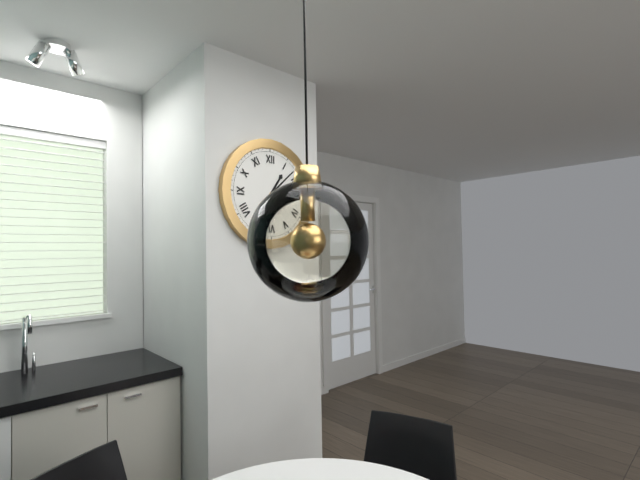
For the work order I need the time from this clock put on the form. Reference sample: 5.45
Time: 1.08
